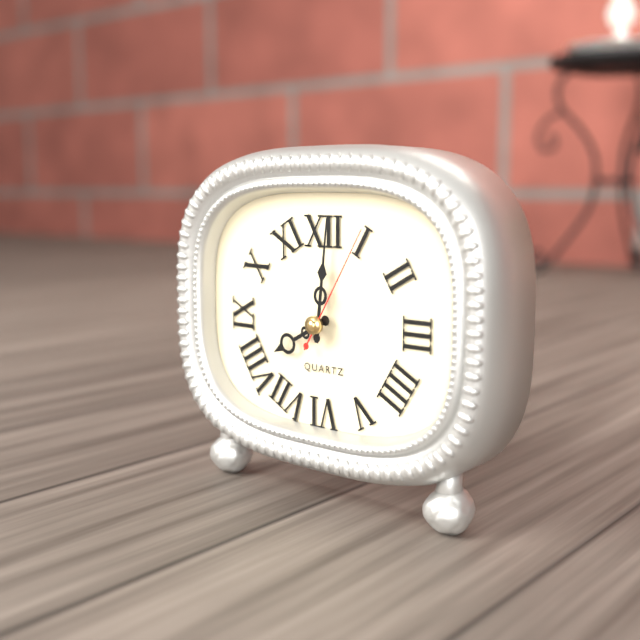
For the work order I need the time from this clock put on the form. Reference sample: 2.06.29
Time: 8.01.05
